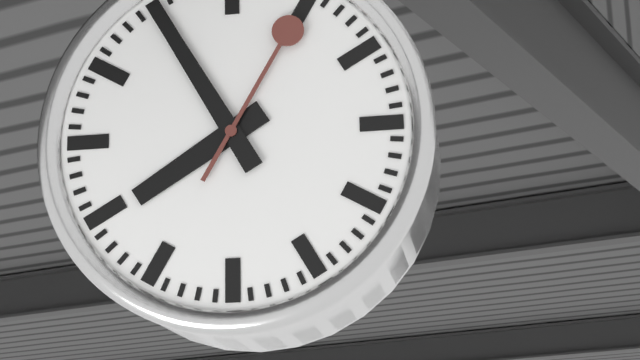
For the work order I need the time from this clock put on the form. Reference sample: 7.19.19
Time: 7.55.05
